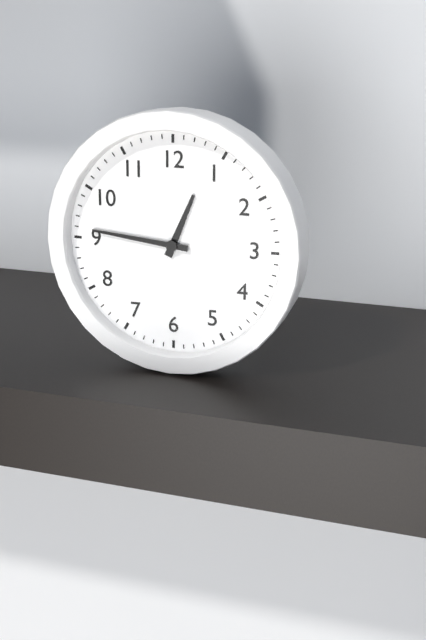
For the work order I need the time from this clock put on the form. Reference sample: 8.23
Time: 12.46
